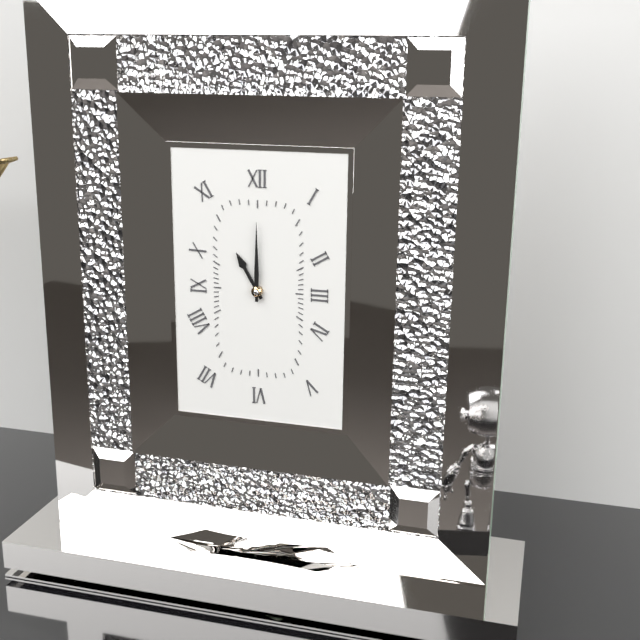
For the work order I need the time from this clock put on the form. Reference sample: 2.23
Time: 11.00
